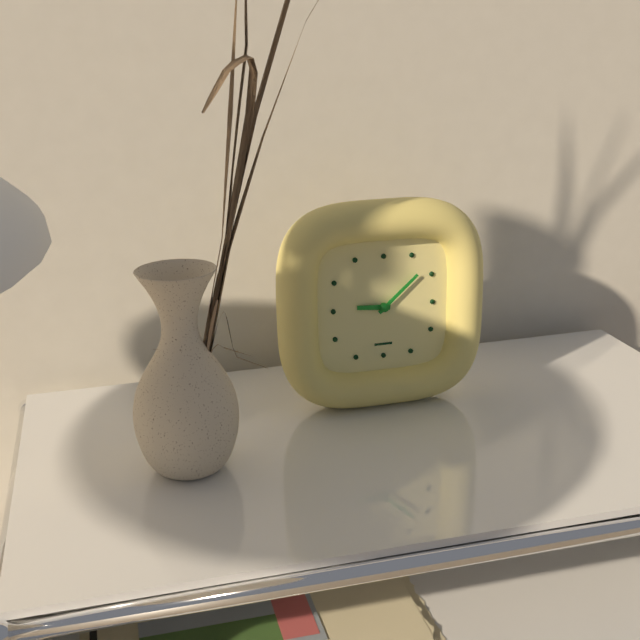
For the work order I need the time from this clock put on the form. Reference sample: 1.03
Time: 9.08
